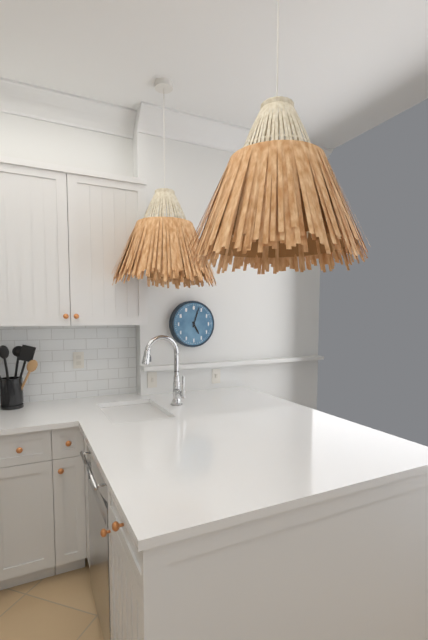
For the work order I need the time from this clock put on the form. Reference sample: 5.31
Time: 5.03
